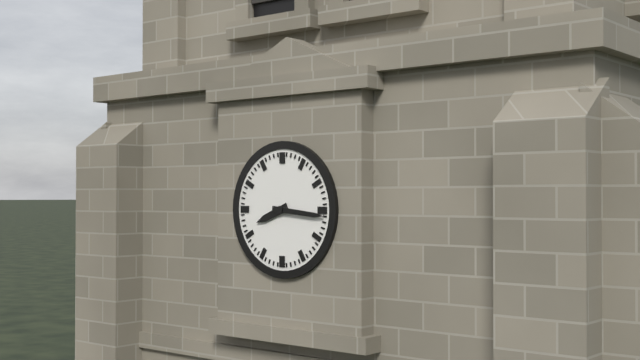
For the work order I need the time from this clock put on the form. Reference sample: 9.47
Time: 8.16
